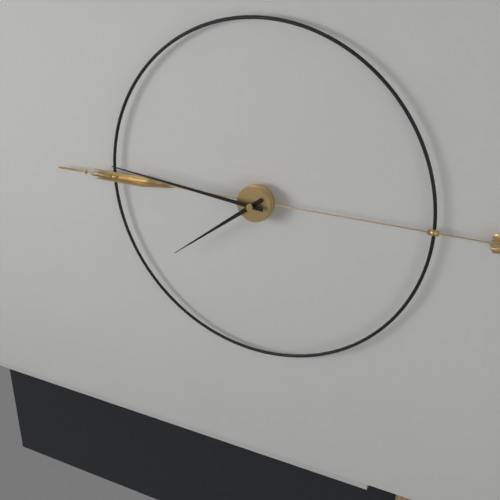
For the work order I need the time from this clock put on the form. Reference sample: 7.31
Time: 7.46
